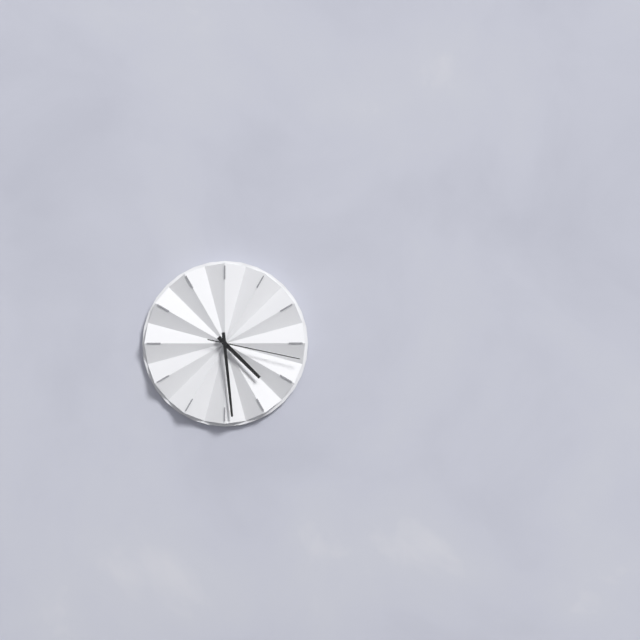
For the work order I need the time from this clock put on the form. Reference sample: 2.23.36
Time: 4.29.17
